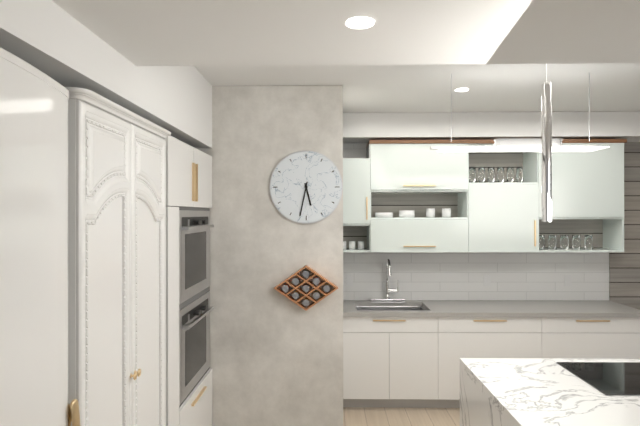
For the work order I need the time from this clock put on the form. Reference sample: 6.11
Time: 5.32
